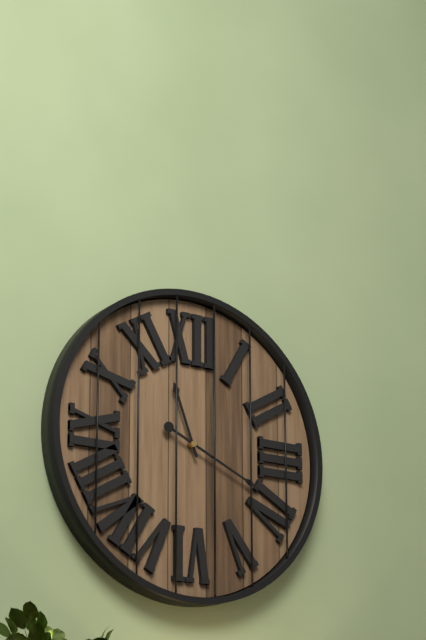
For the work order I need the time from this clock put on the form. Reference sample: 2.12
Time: 11.19
